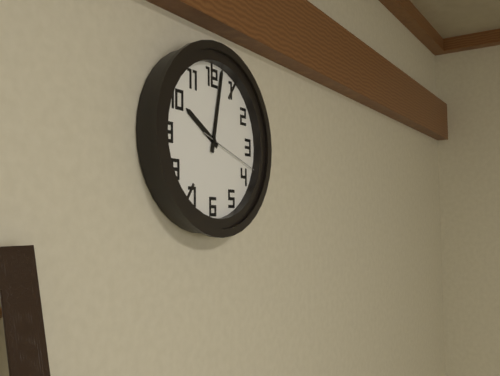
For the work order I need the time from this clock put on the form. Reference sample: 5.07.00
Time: 10.02.18
